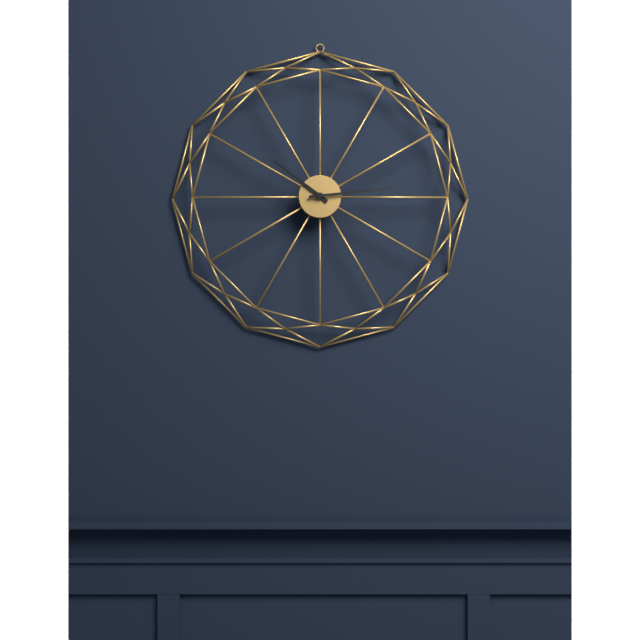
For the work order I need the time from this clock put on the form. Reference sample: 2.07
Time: 10.14
